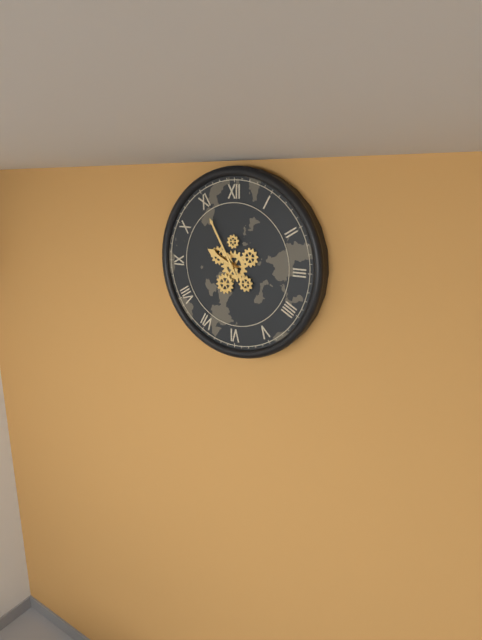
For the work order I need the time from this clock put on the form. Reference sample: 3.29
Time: 9.55
